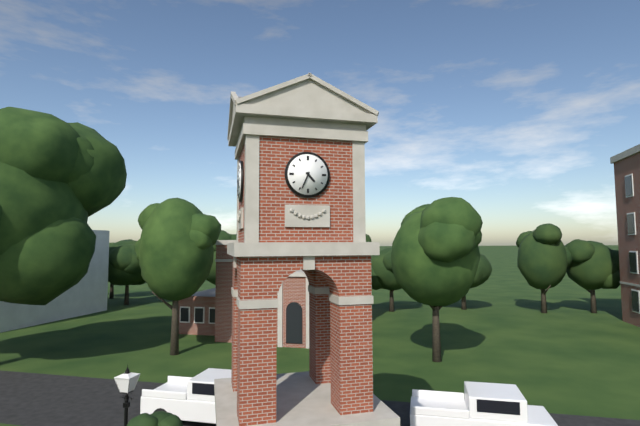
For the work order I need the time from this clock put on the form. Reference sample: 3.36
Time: 4.34
